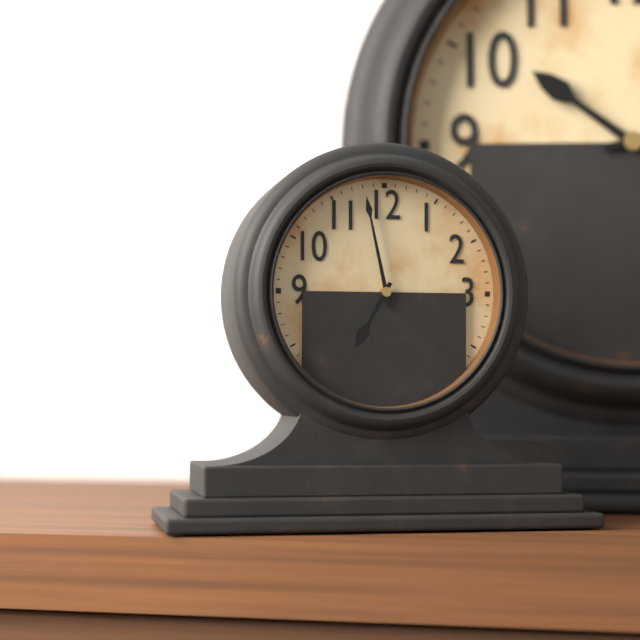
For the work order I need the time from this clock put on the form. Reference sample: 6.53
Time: 6.58
